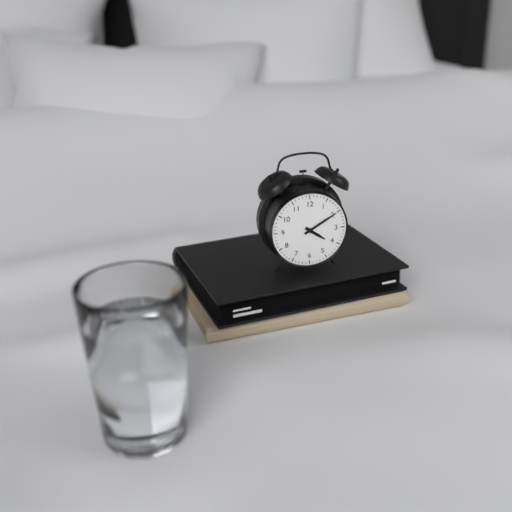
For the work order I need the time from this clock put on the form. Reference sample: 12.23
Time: 4.10
